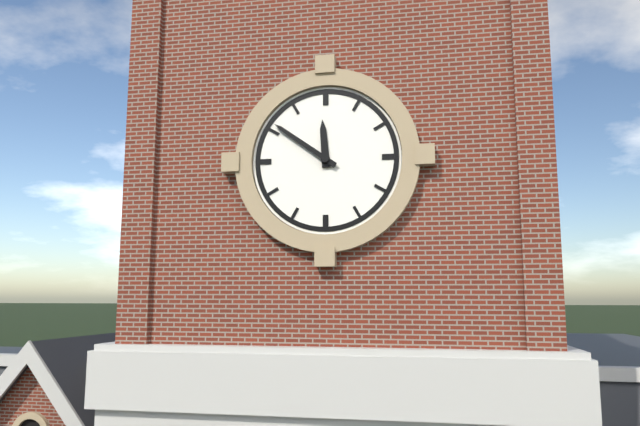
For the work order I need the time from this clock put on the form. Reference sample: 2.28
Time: 11.51
